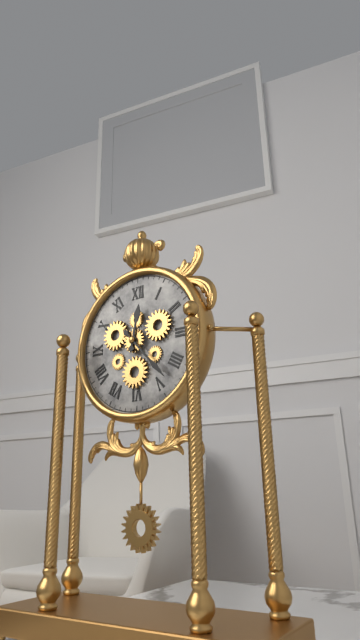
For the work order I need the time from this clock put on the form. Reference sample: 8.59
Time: 12.23
